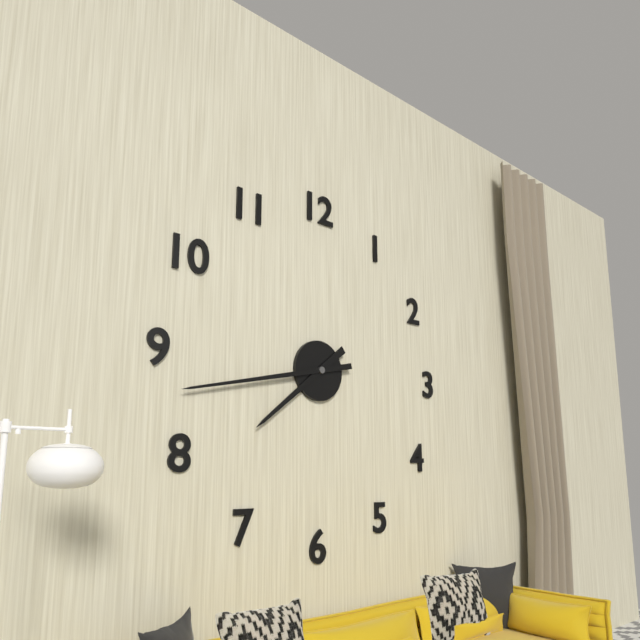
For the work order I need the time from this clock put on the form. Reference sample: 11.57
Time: 7.43
